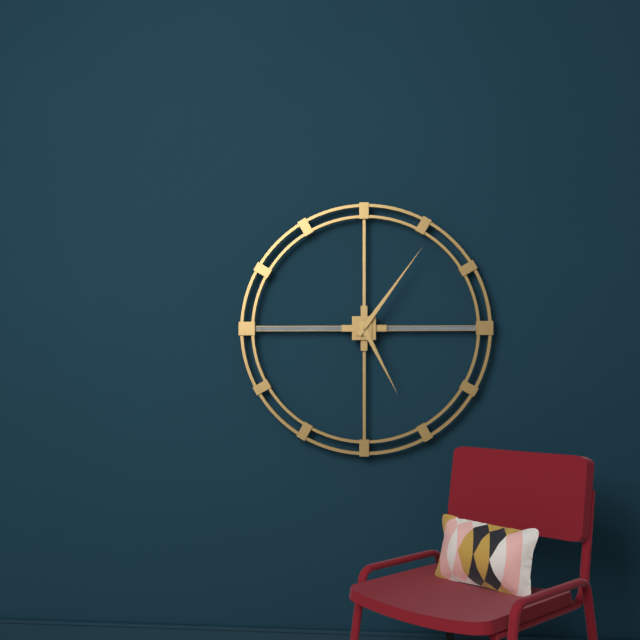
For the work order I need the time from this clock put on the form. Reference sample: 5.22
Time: 5.06
